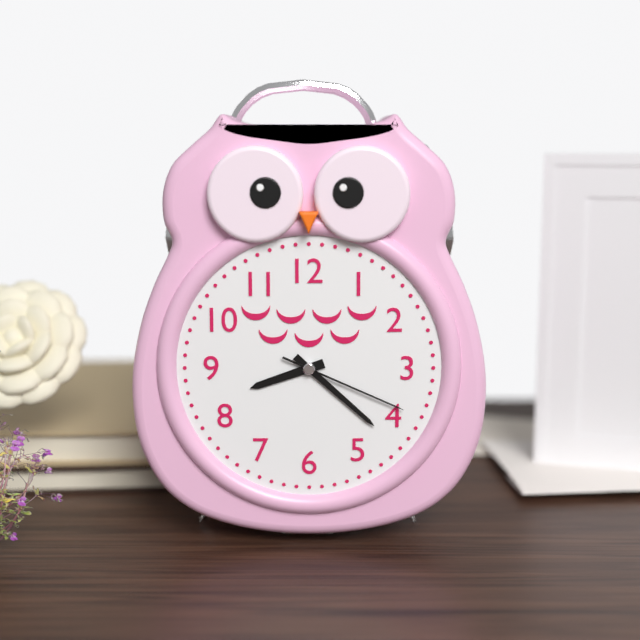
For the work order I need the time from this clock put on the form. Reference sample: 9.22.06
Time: 8.22.19
